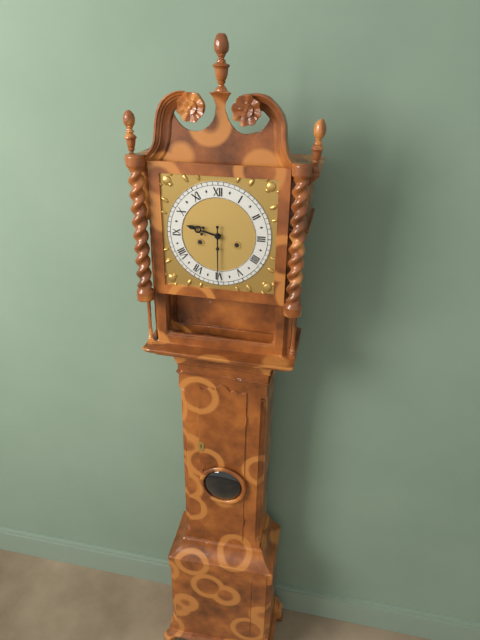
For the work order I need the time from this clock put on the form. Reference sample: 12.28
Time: 9.30
